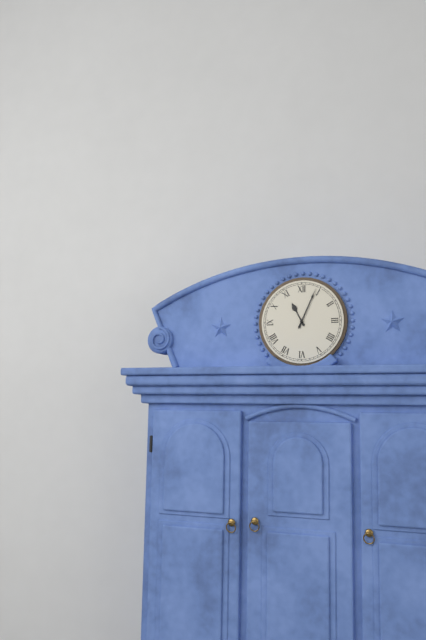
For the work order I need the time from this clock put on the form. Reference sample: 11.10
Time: 11.04
